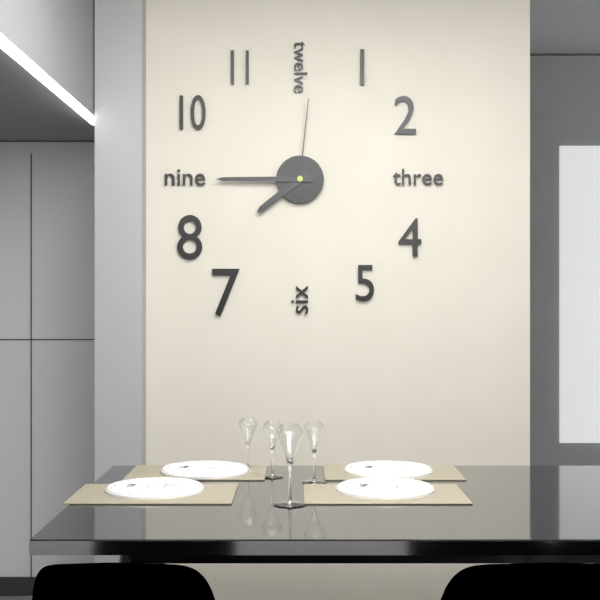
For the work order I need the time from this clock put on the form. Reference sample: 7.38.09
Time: 7.45.01
